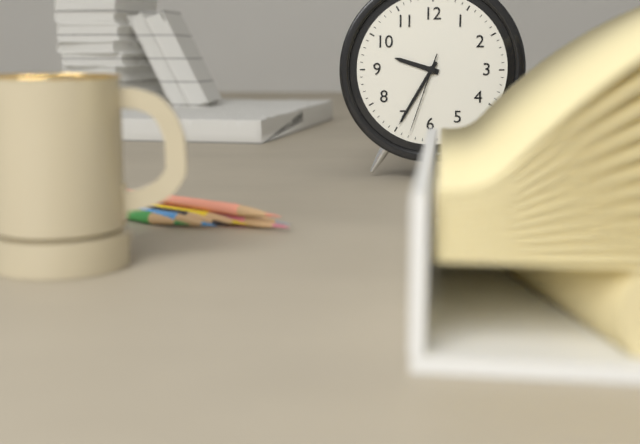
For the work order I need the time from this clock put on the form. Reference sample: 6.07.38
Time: 9.35.33
